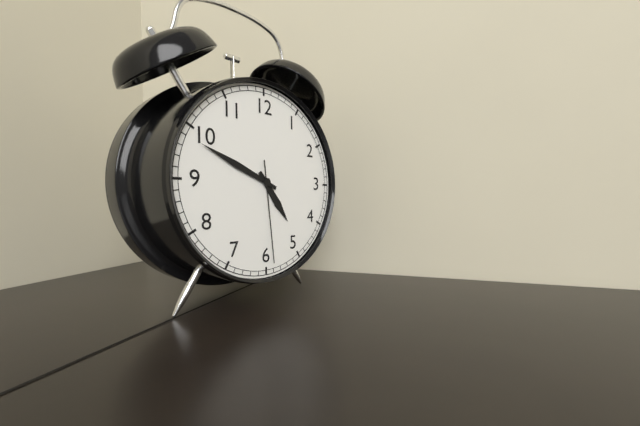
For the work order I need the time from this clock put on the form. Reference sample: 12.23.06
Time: 4.49.29
